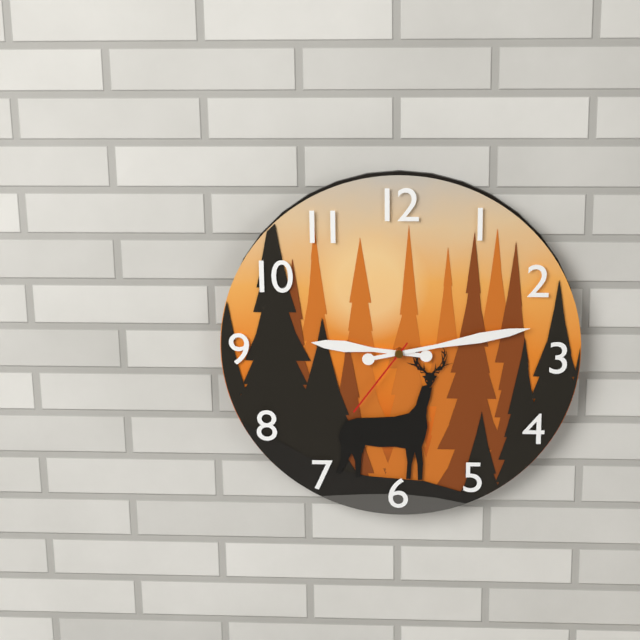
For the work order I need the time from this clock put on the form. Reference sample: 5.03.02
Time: 9.13.36
